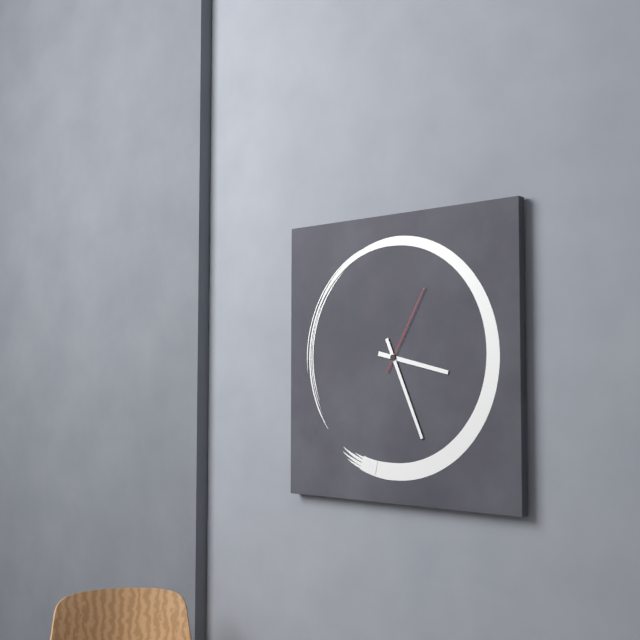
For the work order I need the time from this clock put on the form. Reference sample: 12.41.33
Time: 3.26.05
